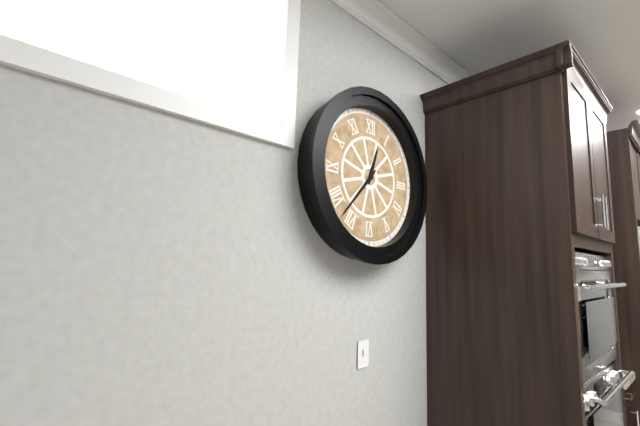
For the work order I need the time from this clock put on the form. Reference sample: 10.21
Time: 12.37
